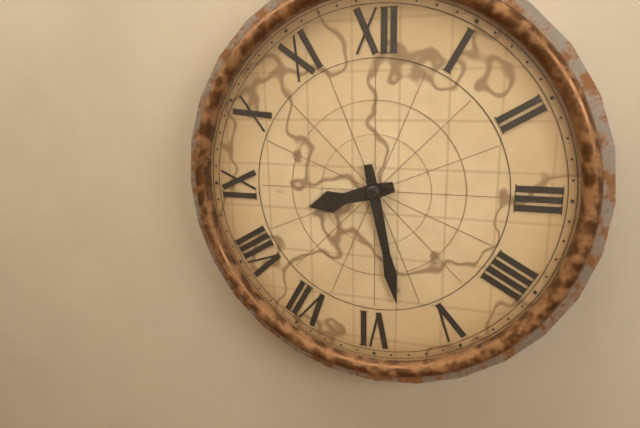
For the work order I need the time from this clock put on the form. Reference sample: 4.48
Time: 8.28
